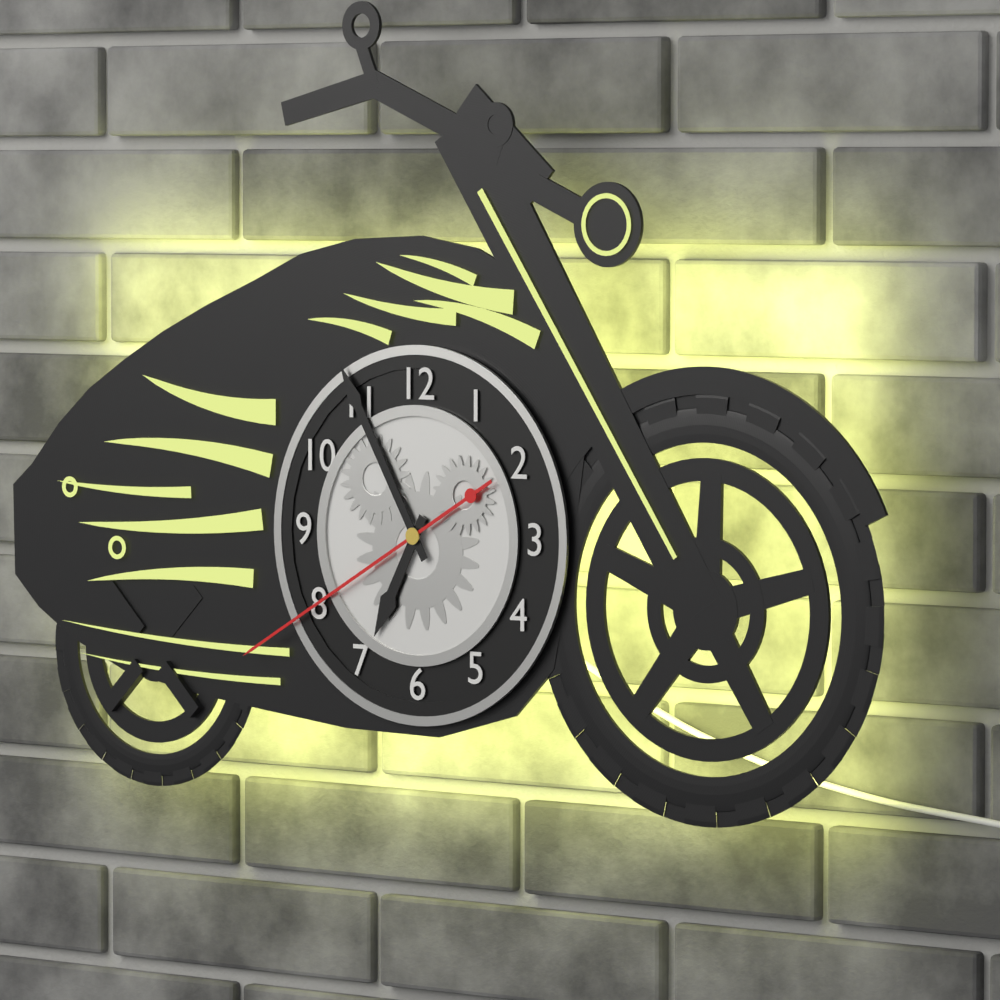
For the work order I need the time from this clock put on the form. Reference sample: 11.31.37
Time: 6.55.40
